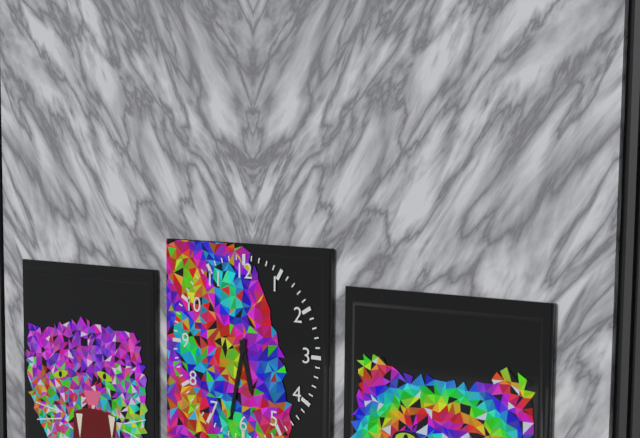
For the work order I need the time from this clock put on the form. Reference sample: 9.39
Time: 5.32
